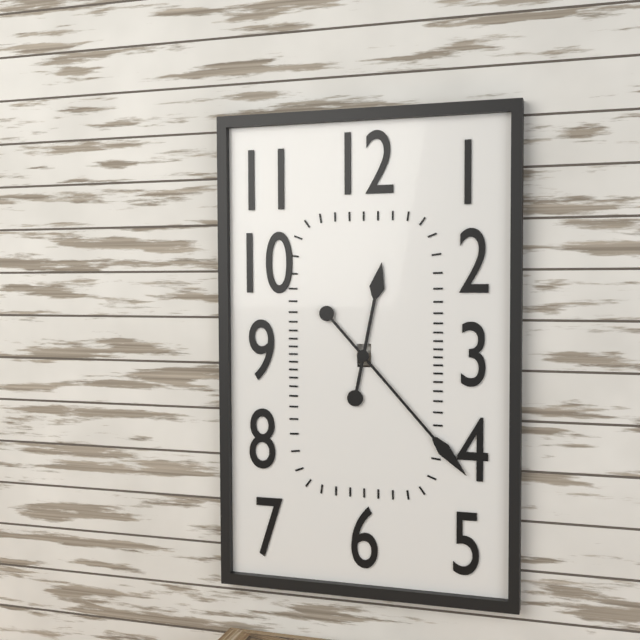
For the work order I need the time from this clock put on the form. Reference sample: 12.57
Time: 12.23
